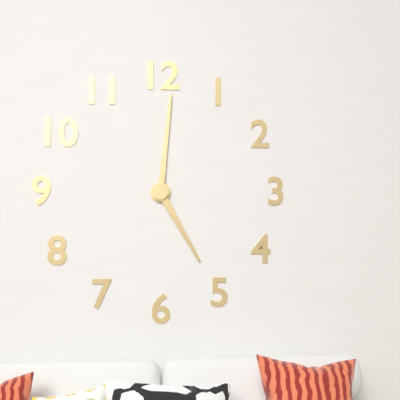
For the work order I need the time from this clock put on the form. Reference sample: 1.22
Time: 5.01
